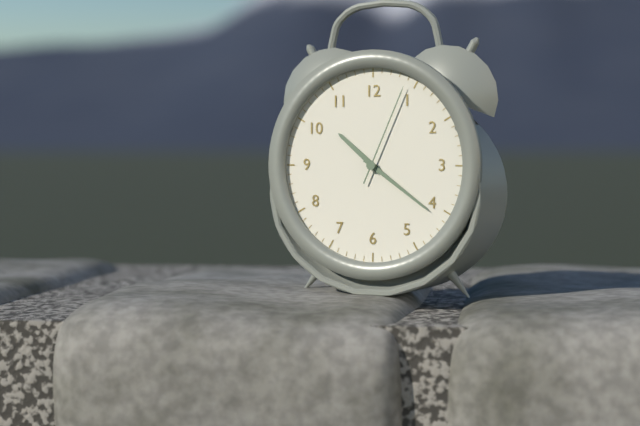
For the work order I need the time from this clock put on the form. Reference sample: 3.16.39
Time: 10.21.04
